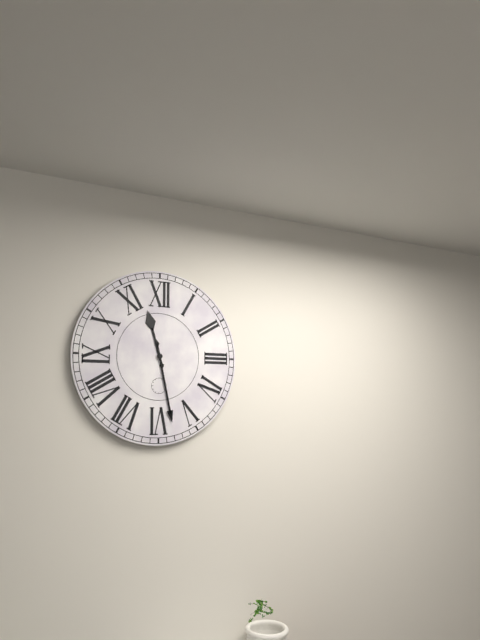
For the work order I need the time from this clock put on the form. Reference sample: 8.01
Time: 11.28
